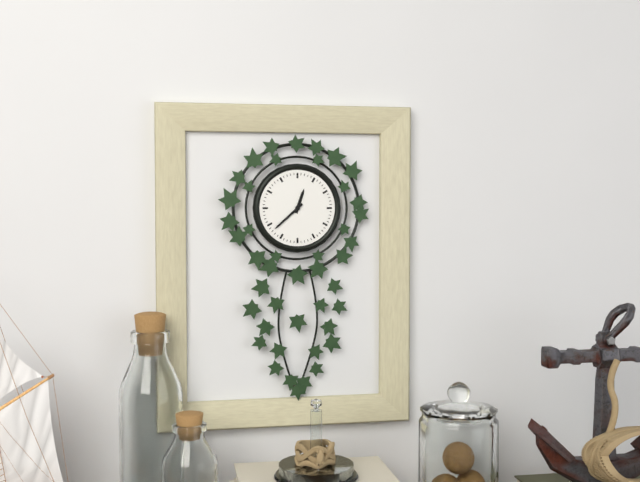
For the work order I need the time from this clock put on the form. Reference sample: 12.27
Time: 12.38
